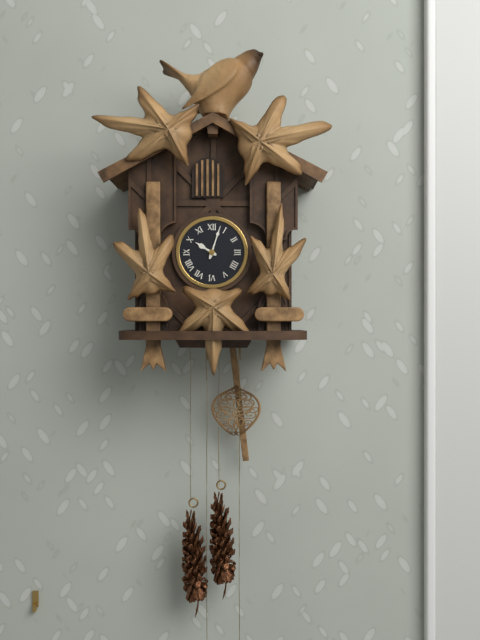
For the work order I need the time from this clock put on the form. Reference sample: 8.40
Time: 10.03
